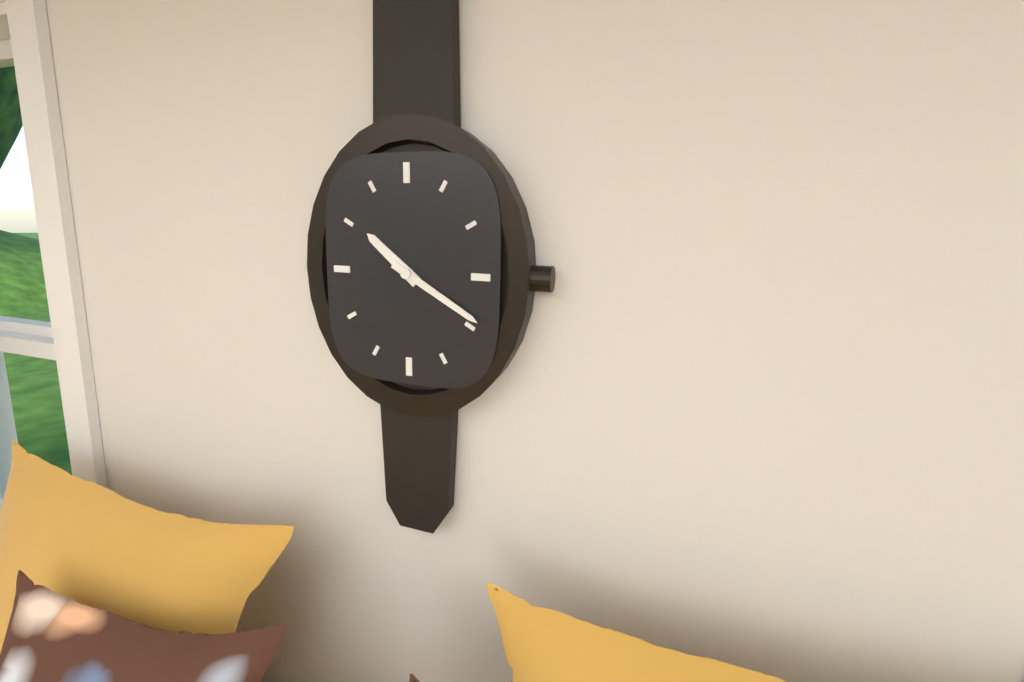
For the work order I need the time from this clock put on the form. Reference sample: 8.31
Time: 10.20
